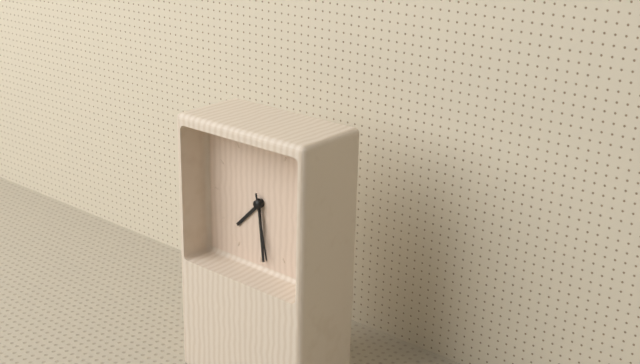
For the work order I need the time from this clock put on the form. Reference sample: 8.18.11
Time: 7.29.28
